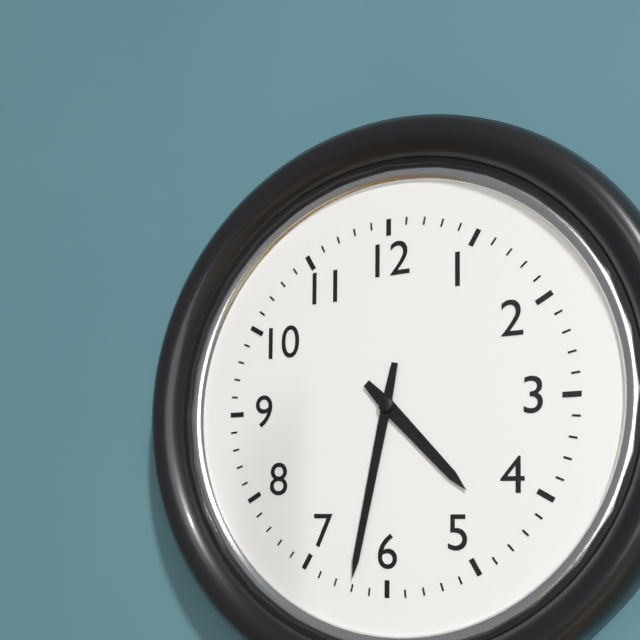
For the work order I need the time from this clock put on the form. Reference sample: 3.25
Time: 4.32
